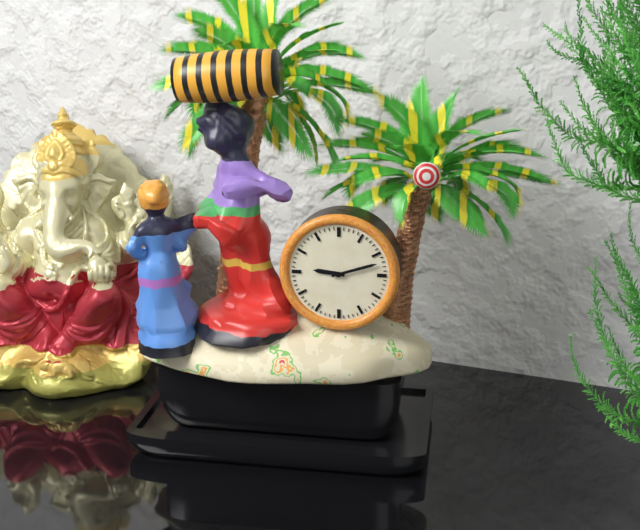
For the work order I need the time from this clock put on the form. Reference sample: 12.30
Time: 9.12
